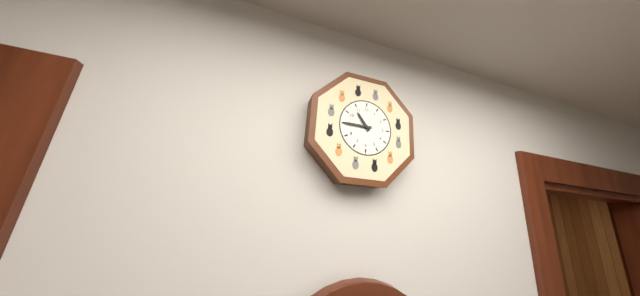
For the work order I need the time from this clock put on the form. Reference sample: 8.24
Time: 10.45
